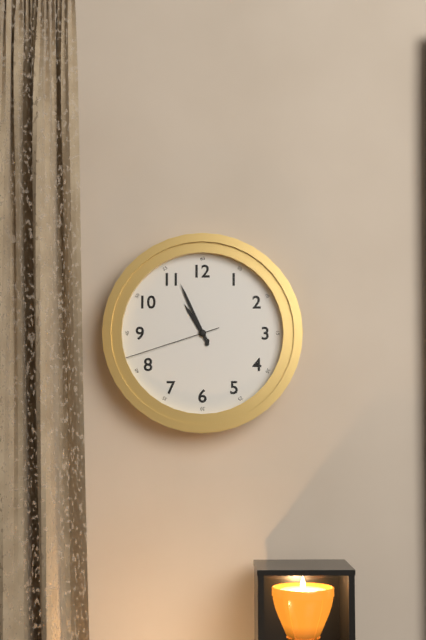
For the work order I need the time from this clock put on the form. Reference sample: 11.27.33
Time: 10.56.42
